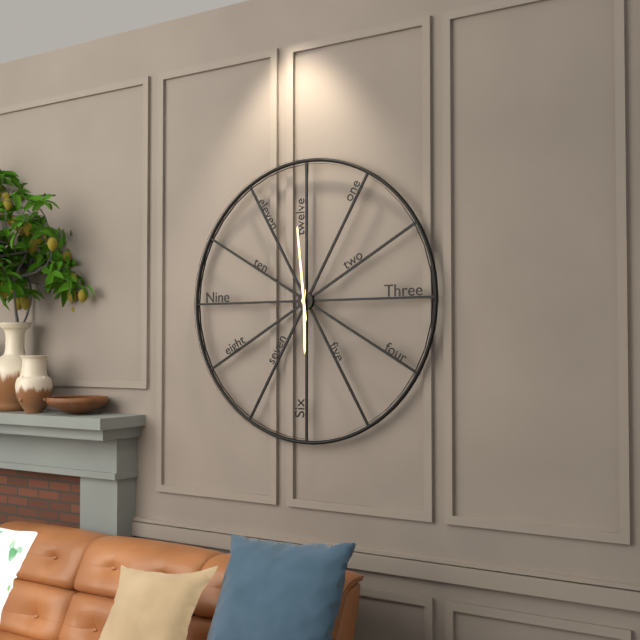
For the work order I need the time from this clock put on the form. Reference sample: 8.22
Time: 5.59
